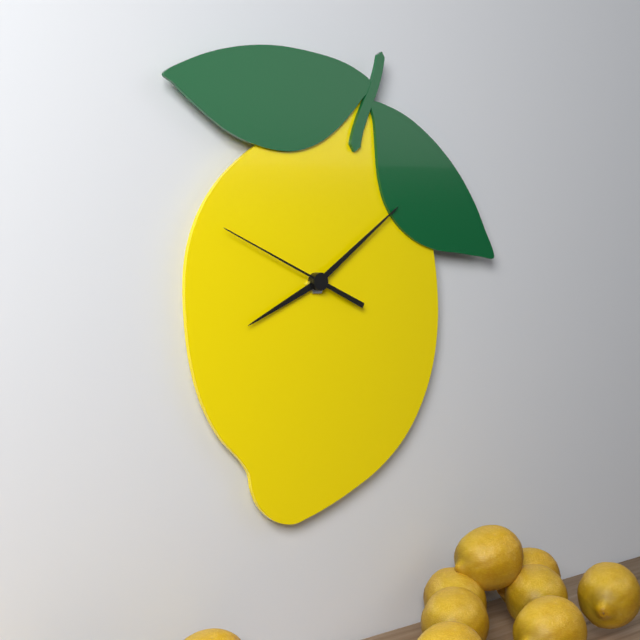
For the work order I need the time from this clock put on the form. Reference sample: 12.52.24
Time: 8.09.49
